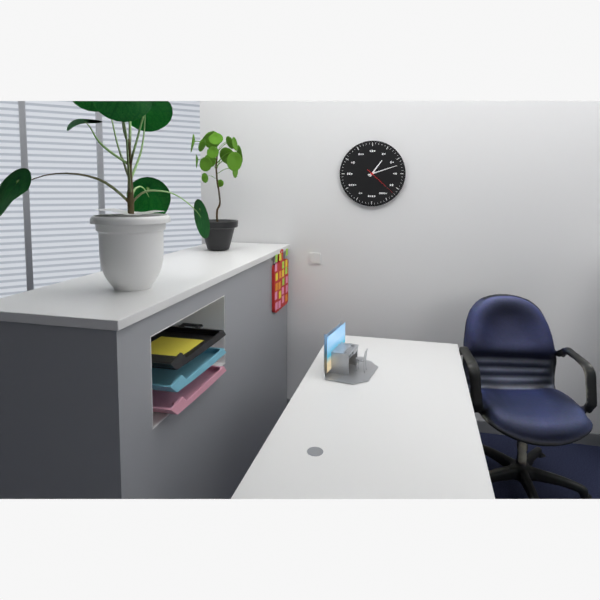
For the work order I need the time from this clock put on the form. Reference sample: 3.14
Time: 1.12
